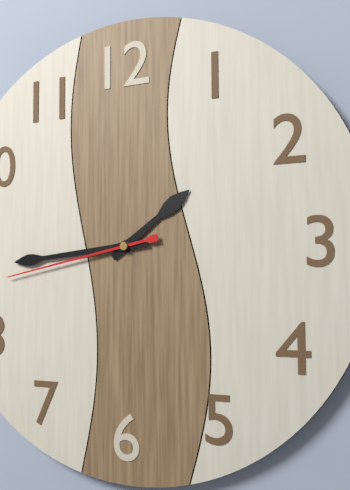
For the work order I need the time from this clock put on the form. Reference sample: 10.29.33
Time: 1.44.43
